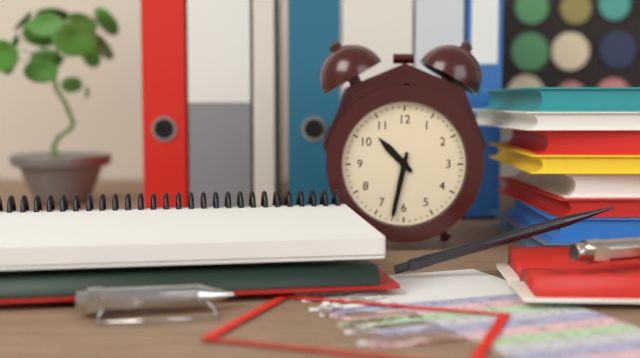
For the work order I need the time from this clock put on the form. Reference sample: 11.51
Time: 10.32
